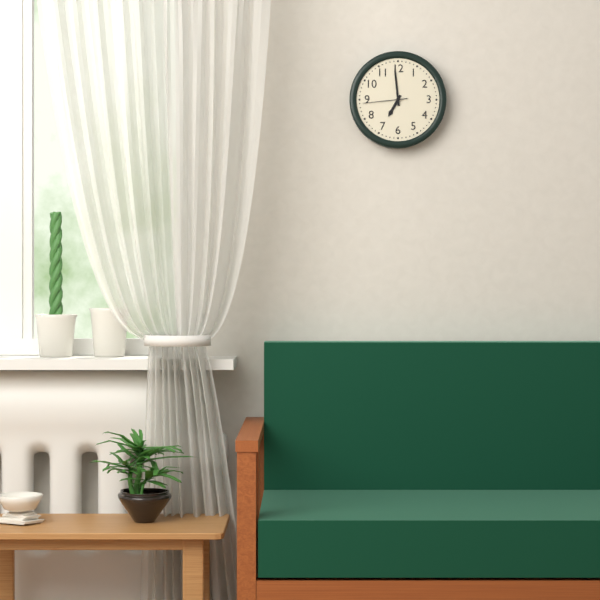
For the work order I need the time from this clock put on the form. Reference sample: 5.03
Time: 6.59
